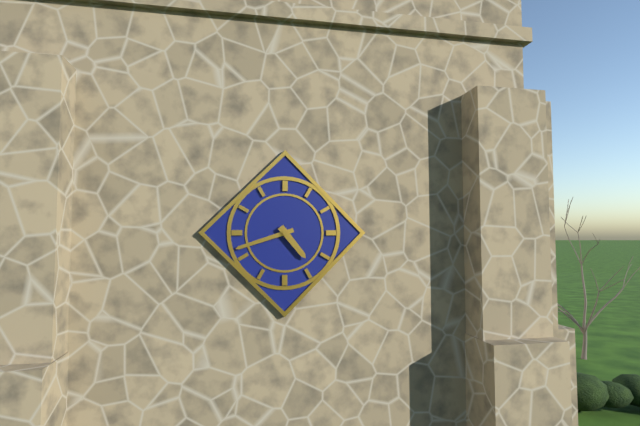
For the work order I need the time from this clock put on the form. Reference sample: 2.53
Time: 4.42
